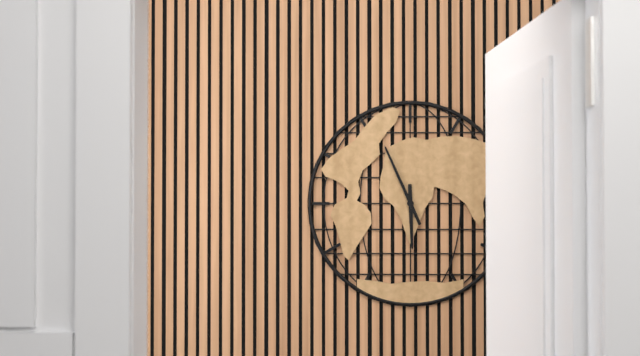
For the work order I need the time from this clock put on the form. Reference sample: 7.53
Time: 5.56
